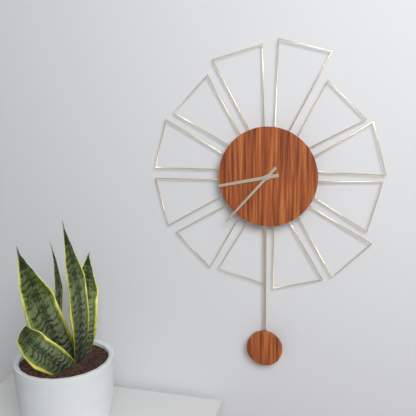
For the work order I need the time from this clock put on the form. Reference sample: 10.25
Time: 8.37
